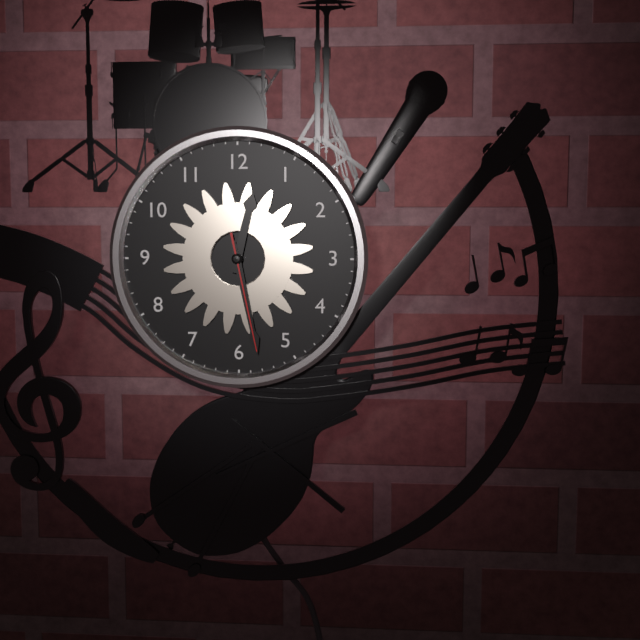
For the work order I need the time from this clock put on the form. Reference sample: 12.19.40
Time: 12.28.28
